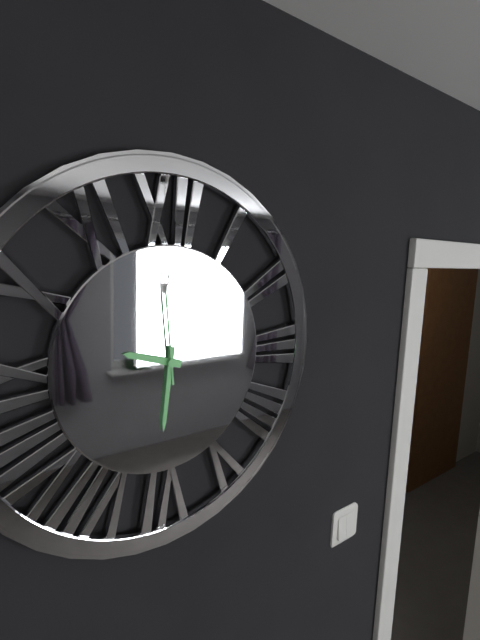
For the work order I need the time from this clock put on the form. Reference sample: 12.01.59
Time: 9.31.59
